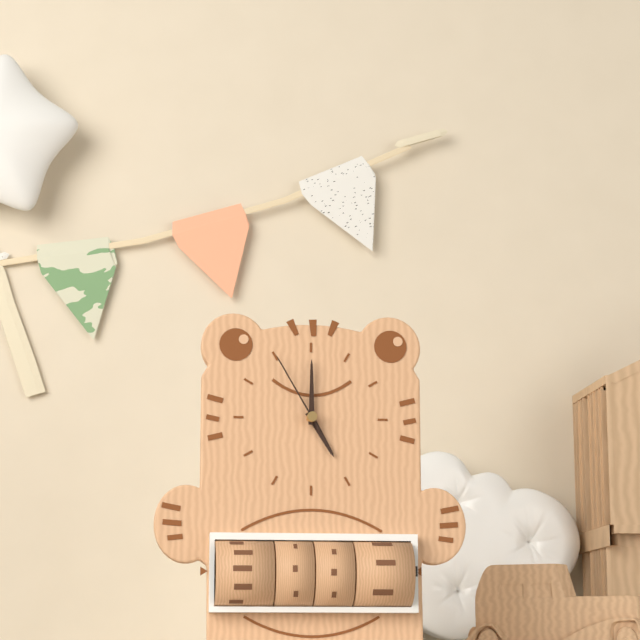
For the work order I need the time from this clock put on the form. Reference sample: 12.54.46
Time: 5.00.55
